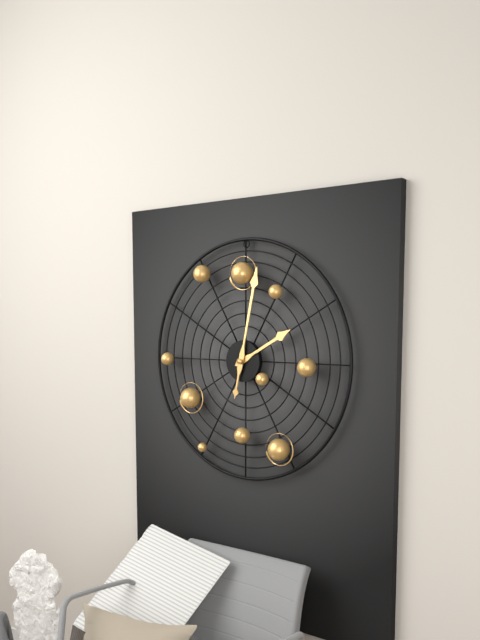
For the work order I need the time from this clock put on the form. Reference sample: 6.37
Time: 2.02
